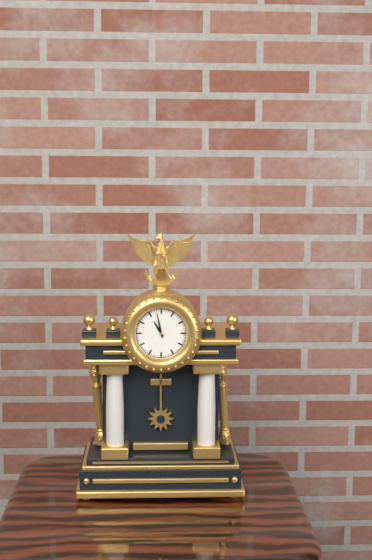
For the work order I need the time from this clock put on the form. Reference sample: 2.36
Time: 10.58
